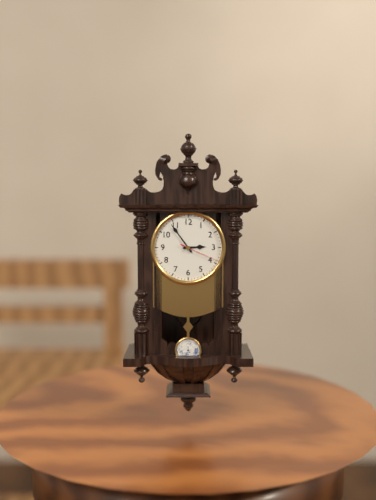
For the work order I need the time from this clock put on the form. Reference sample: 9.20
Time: 2.54
